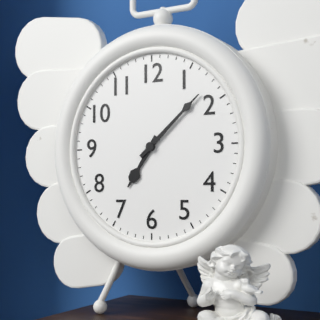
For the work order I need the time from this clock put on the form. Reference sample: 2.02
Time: 7.08
